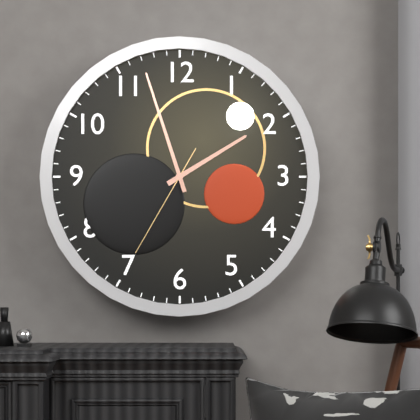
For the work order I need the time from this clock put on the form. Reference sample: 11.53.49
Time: 1.57.35
